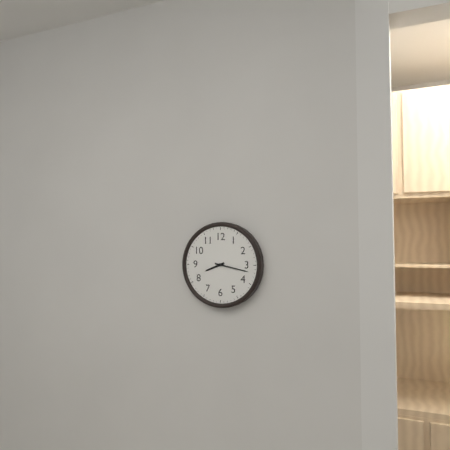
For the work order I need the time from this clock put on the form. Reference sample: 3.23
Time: 8.17
